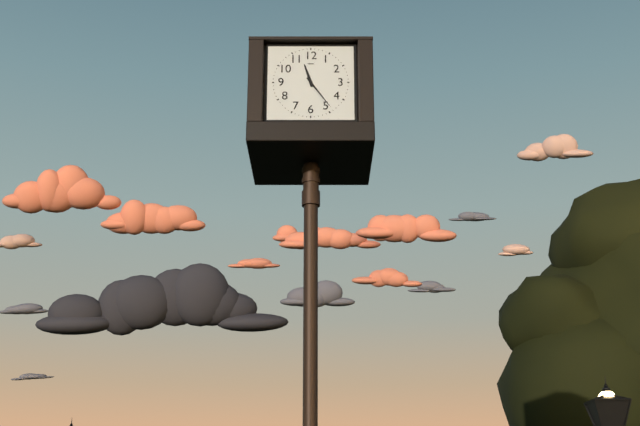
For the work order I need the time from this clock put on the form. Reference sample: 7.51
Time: 11.24
